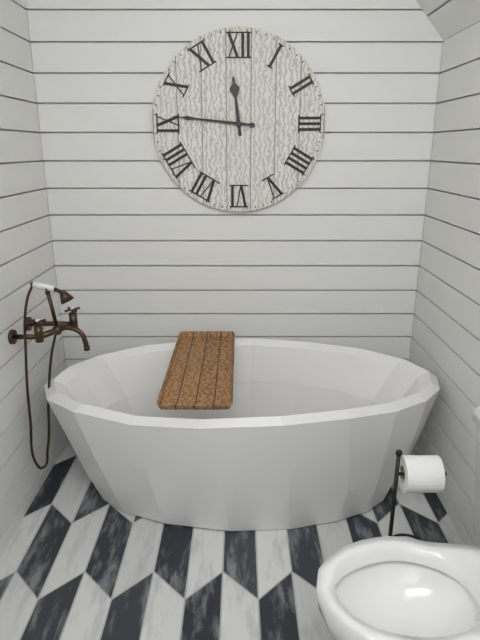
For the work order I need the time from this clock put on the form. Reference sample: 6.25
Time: 11.46
